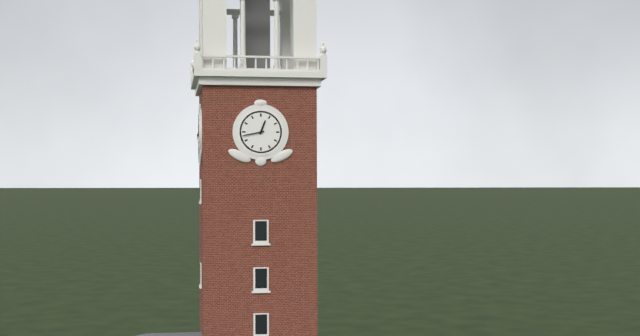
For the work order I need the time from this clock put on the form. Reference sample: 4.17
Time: 12.43
